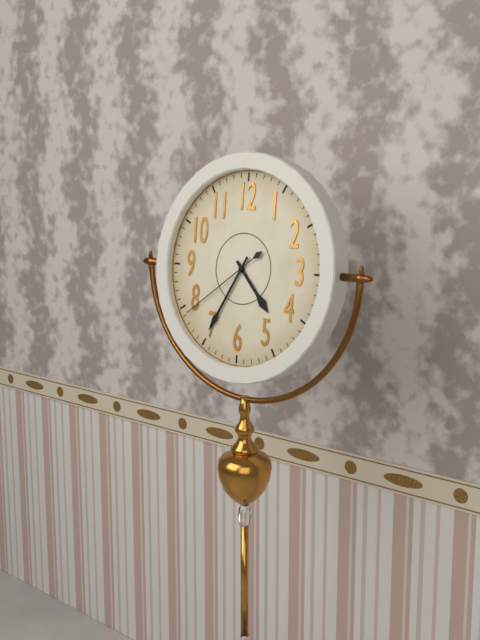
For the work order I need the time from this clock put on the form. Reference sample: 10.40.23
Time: 4.35.39
